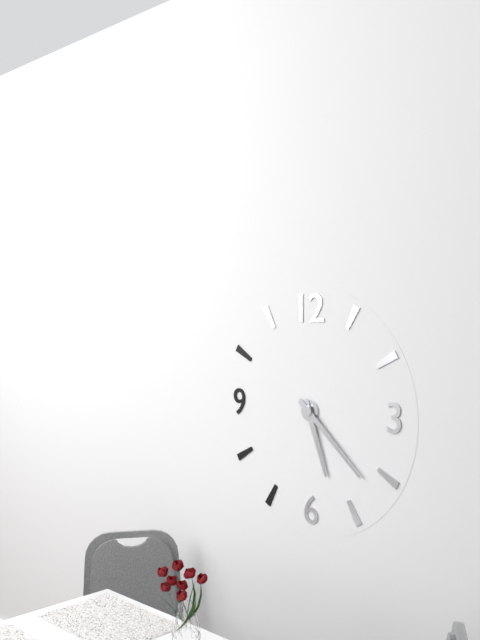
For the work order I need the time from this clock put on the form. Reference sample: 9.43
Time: 5.22
